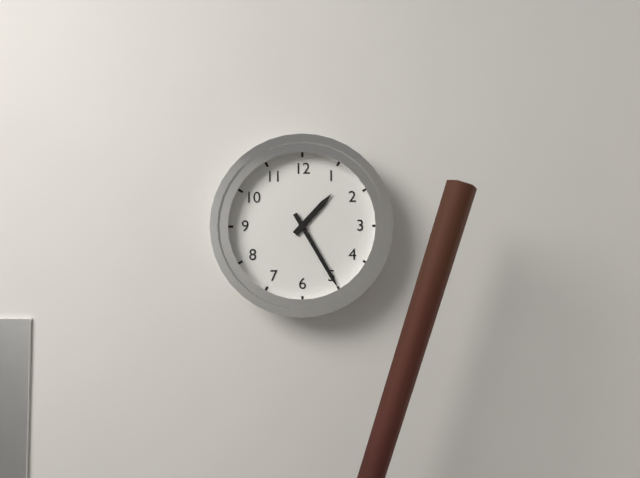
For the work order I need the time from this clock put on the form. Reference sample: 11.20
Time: 1.25
